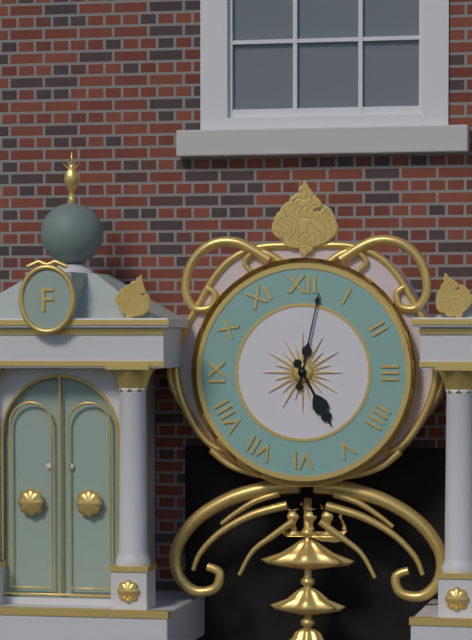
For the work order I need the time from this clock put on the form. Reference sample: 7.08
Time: 5.02
